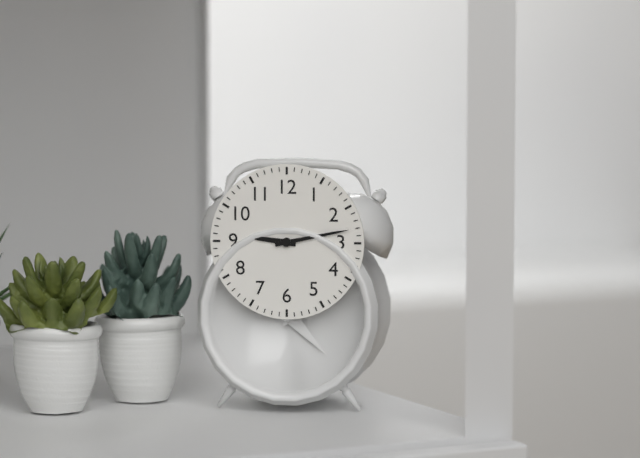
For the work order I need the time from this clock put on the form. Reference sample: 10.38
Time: 9.13
